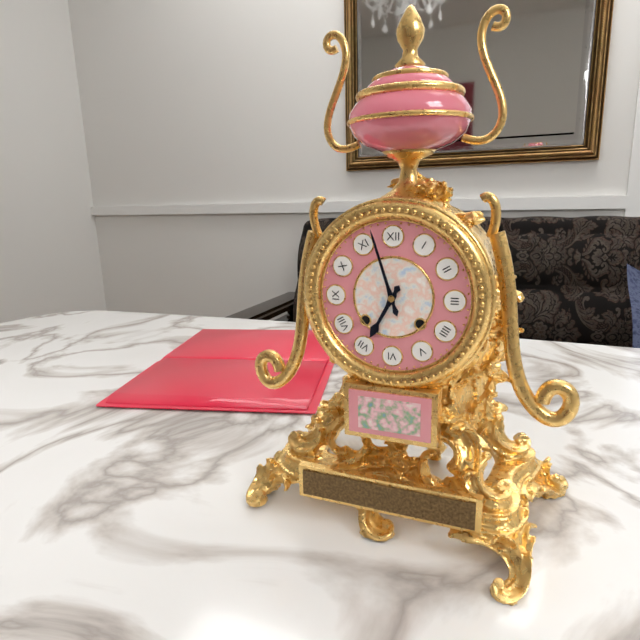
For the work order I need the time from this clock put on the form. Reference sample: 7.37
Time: 6.57
